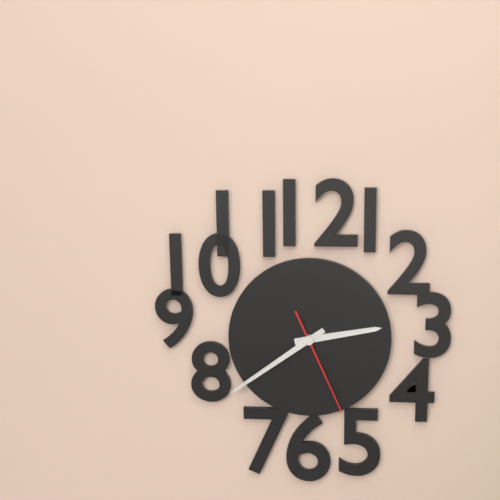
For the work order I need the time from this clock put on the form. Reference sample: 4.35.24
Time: 2.39.26
